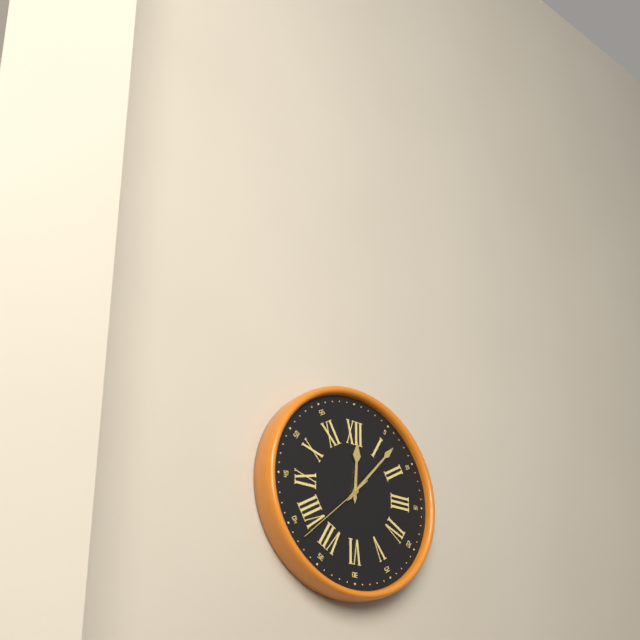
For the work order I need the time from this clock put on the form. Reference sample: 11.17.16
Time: 12.07.38
